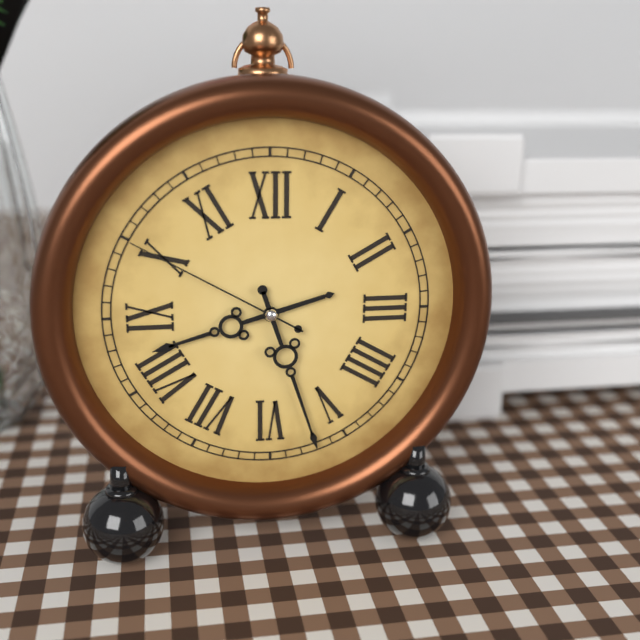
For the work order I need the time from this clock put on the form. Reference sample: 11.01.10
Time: 8.27.50
